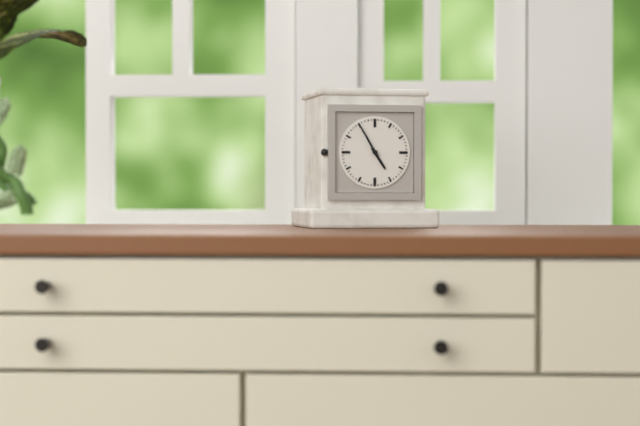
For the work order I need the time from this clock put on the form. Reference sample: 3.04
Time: 4.55
